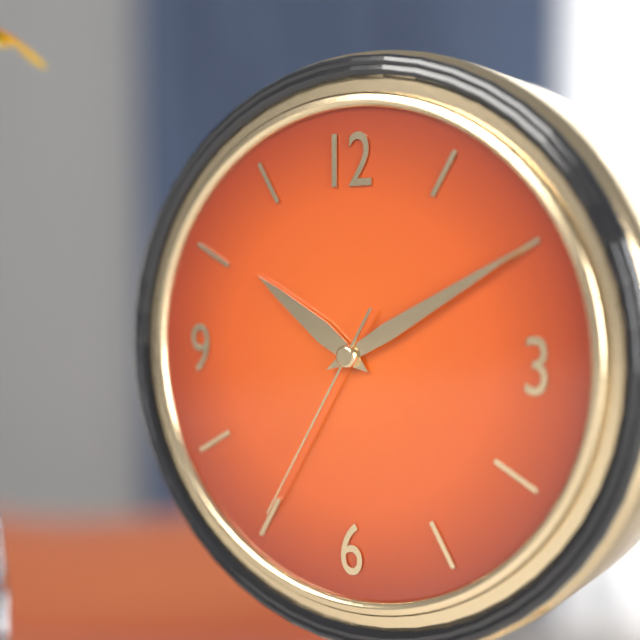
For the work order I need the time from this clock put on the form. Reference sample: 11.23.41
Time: 10.10.35
